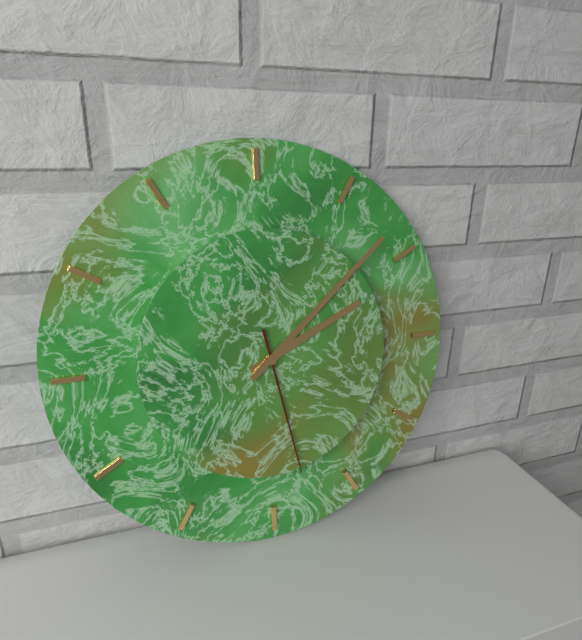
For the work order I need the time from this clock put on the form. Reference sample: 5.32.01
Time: 2.08.28
